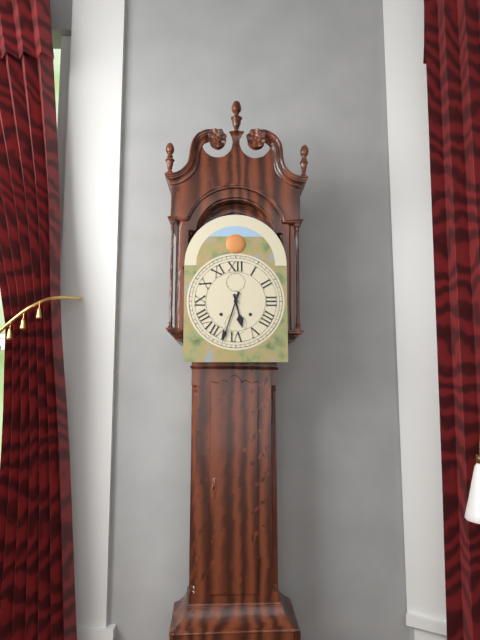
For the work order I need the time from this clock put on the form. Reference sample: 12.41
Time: 5.33
